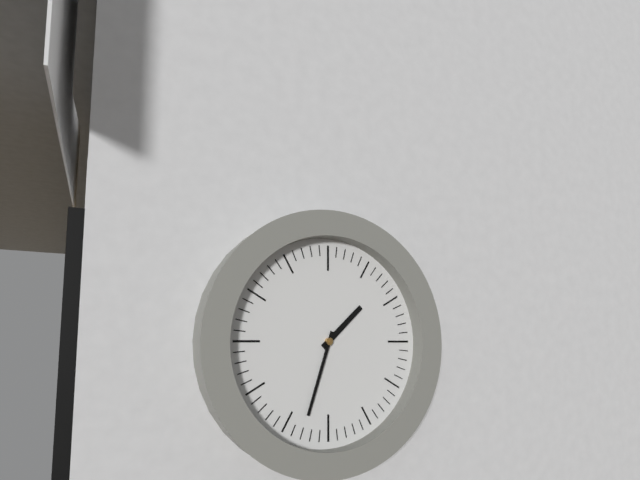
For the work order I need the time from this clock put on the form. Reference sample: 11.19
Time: 1.33
